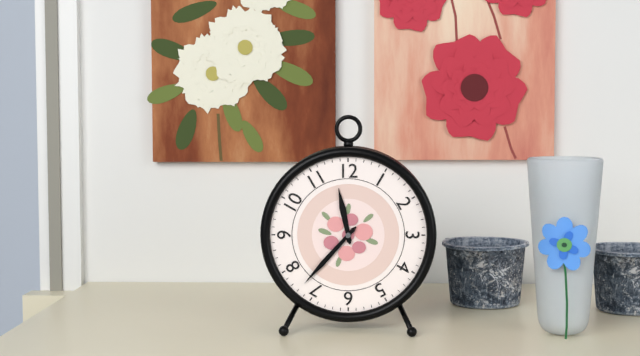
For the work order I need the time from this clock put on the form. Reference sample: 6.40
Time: 11.37
